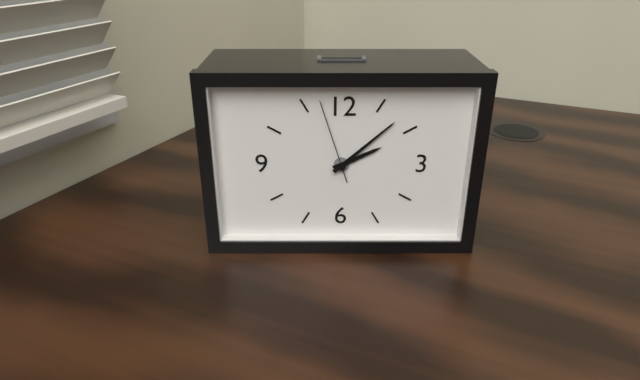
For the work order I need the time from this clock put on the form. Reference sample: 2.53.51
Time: 2.08.57
